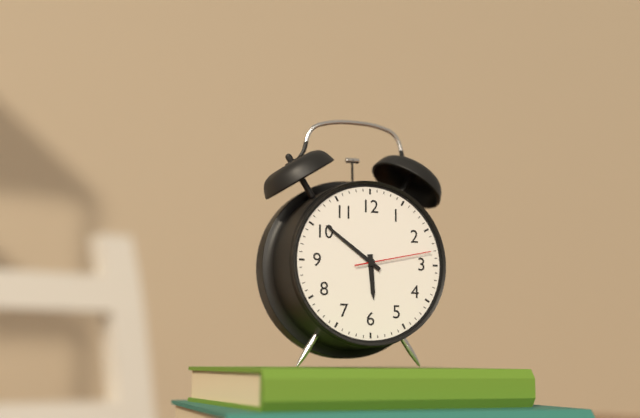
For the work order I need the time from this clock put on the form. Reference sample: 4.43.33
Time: 5.51.13
